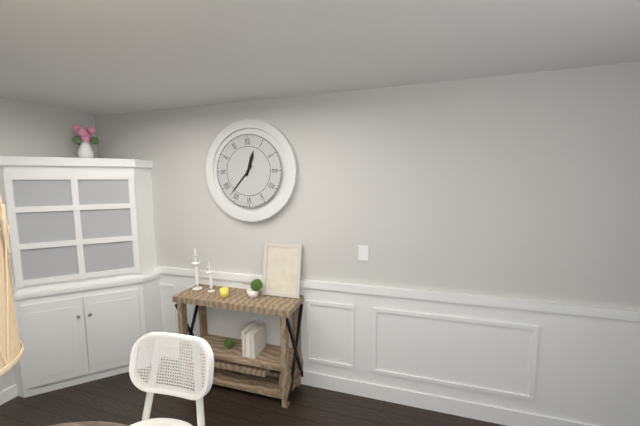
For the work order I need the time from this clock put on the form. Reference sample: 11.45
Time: 12.37
